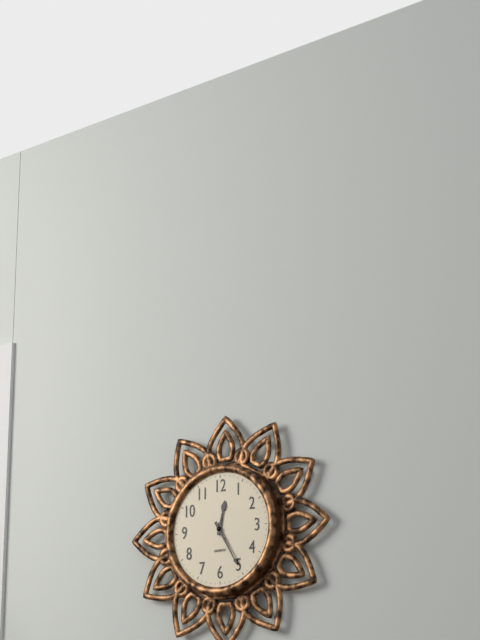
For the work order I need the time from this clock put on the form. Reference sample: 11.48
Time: 12.25
